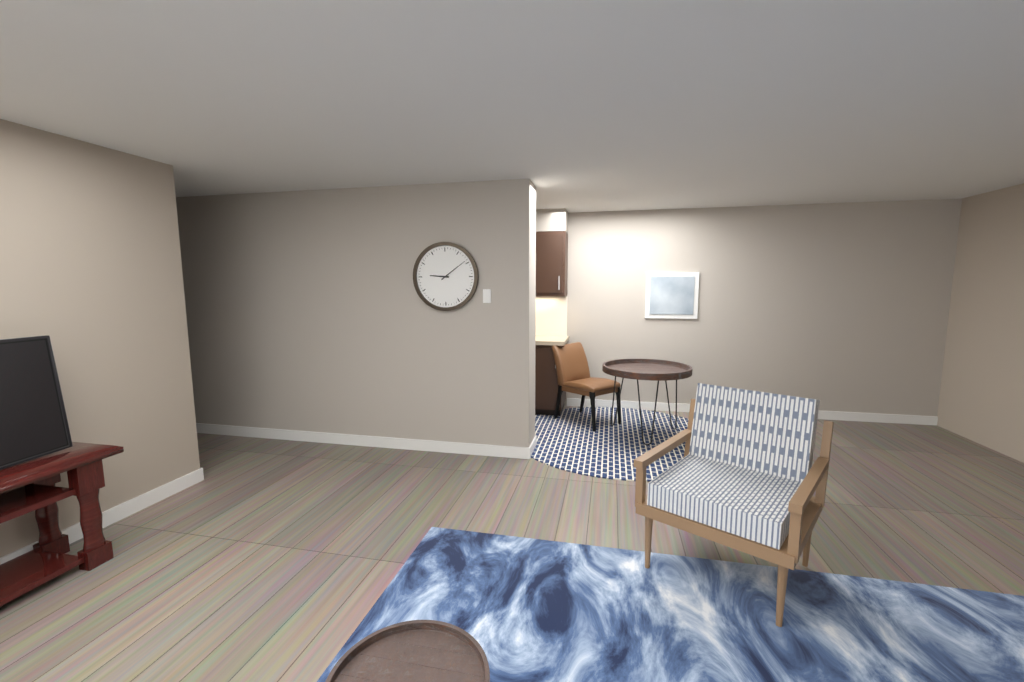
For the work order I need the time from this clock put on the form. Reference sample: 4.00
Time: 9.09
